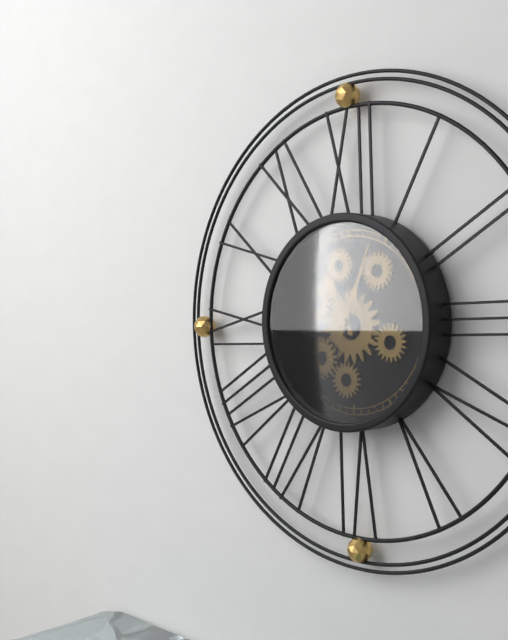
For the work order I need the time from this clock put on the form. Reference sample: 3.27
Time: 11.04
